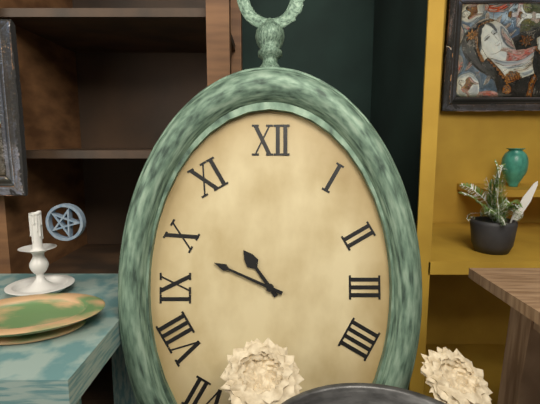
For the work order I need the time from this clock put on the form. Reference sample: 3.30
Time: 10.49
